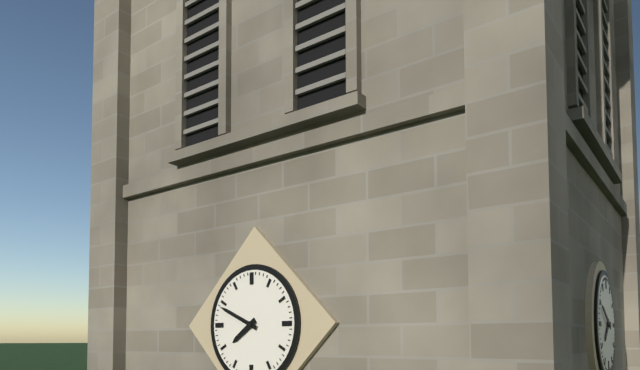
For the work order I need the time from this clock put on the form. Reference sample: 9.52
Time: 7.49
